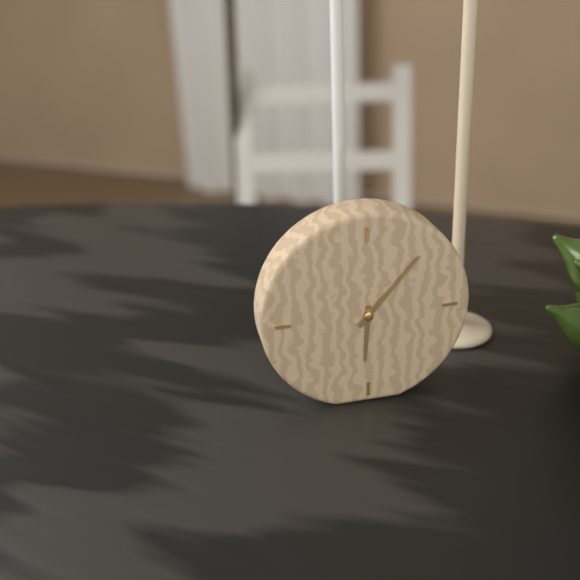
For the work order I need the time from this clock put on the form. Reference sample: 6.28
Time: 6.07
